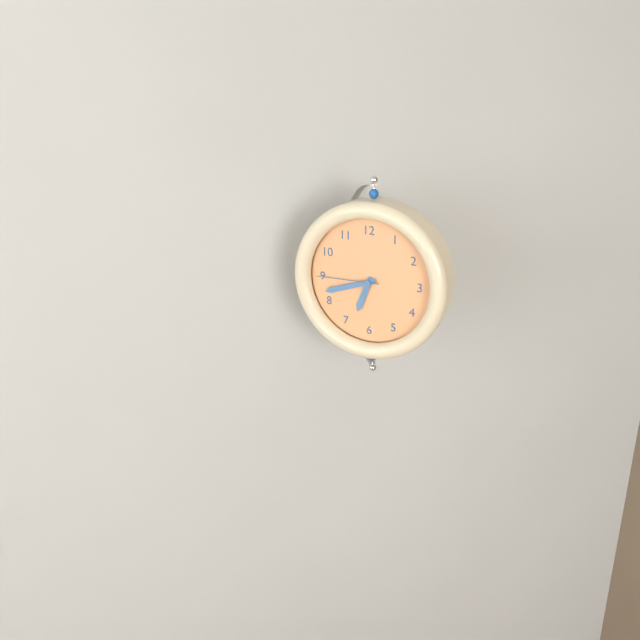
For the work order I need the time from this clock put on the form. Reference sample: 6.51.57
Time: 6.42.45
